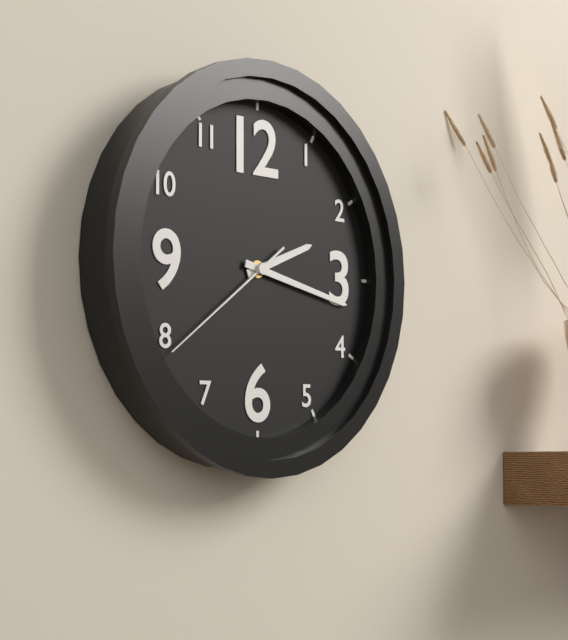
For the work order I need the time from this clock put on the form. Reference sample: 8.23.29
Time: 2.17.39
